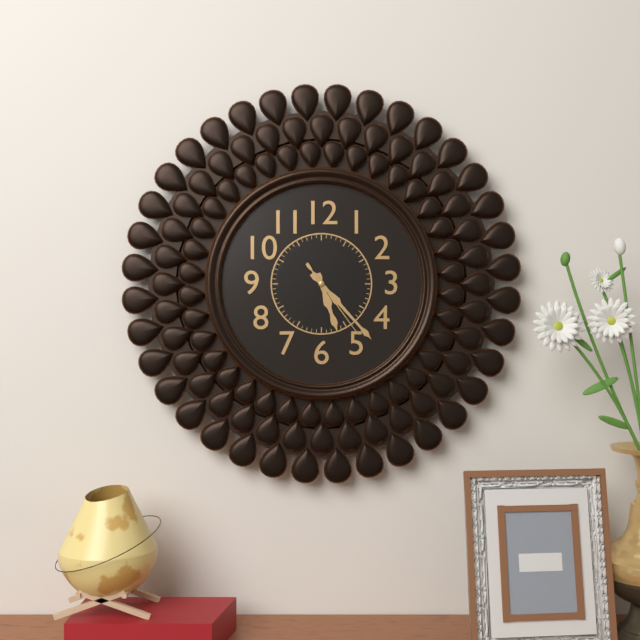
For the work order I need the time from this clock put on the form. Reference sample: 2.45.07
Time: 5.23.24
